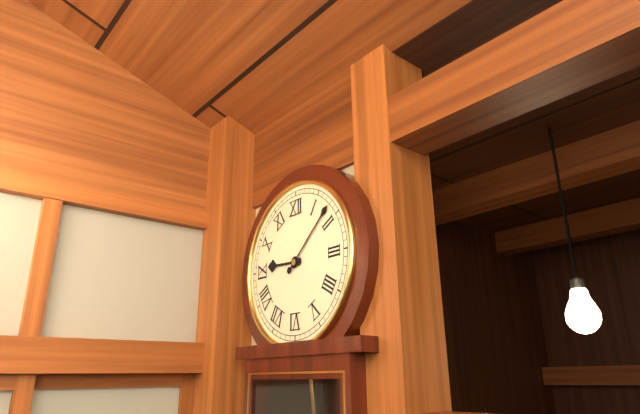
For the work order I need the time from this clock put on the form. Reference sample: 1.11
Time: 9.08
